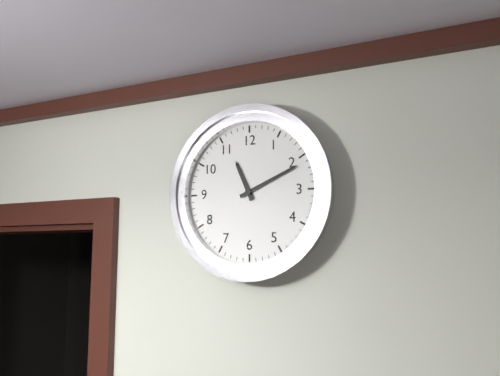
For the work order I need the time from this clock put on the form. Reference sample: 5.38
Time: 11.11
